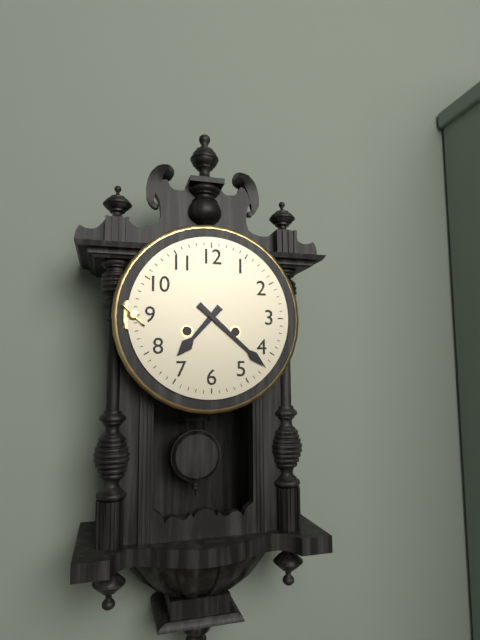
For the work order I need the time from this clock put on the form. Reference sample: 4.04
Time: 7.22
